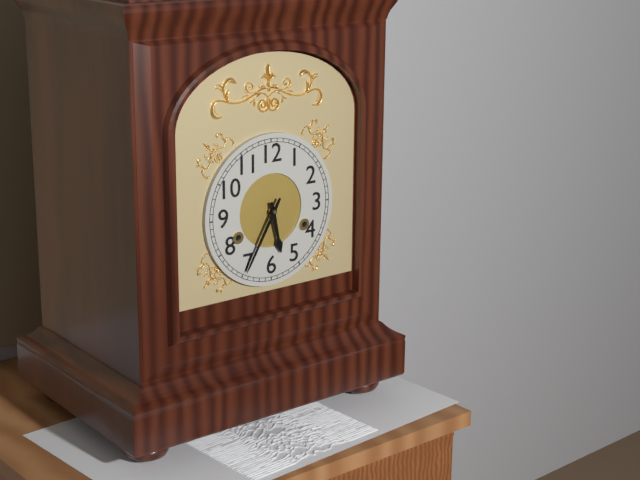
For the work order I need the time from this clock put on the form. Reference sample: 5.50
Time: 5.35
